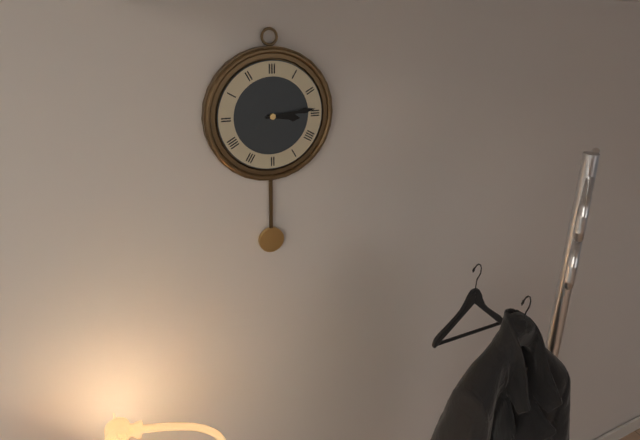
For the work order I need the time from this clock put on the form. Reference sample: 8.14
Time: 3.14
